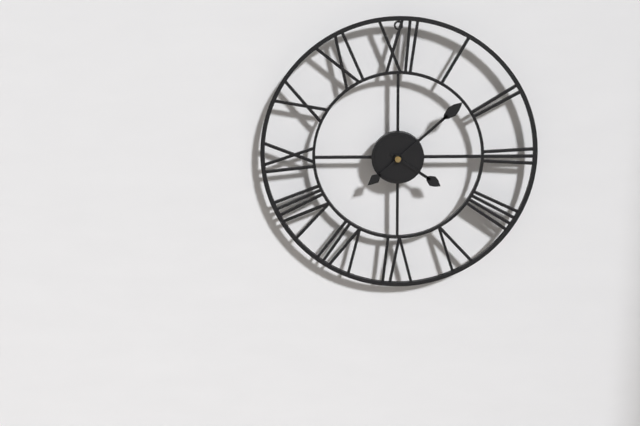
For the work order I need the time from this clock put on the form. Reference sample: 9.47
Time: 4.08
